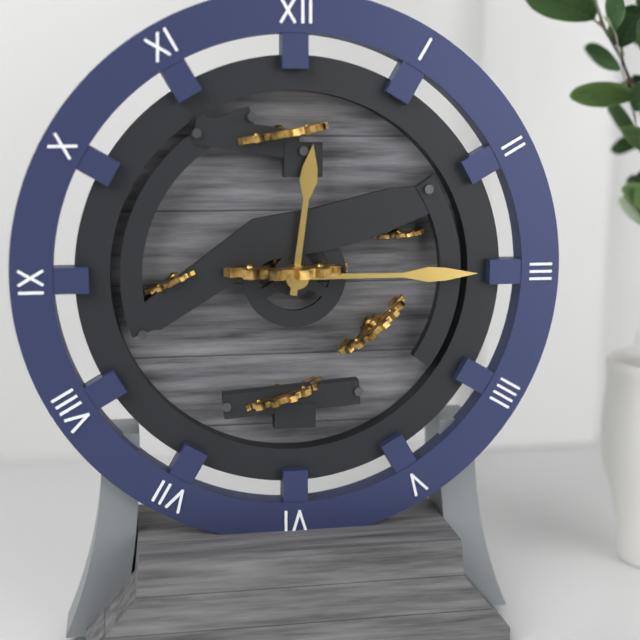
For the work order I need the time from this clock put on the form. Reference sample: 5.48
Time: 12.15
